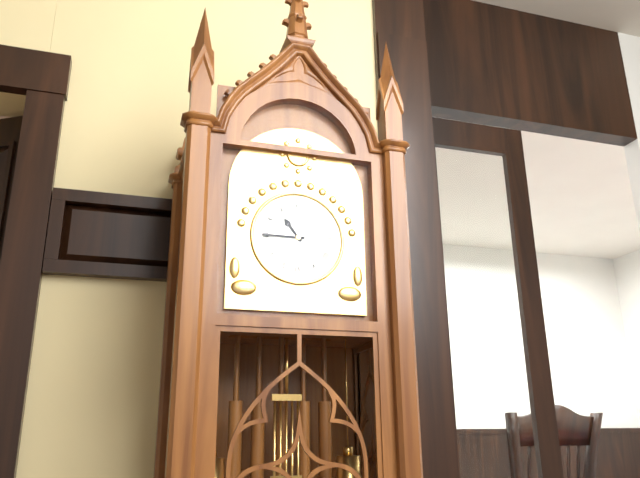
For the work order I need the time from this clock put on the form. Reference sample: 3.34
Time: 10.45
